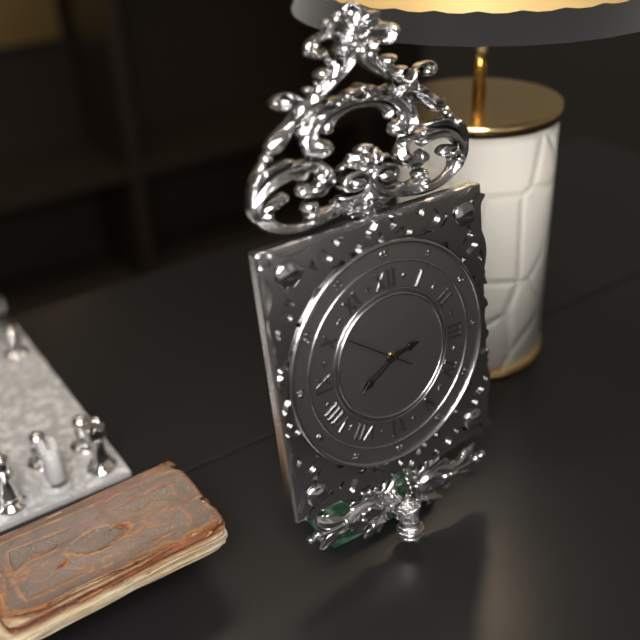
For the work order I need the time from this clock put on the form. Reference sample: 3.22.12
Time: 2.40.51
